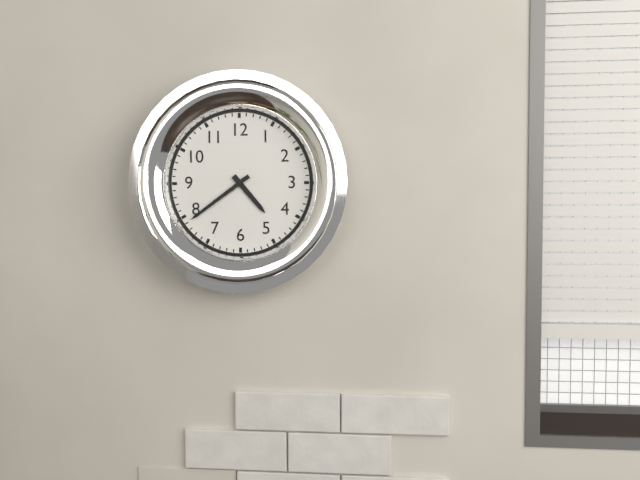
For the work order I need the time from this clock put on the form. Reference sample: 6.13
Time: 4.39
